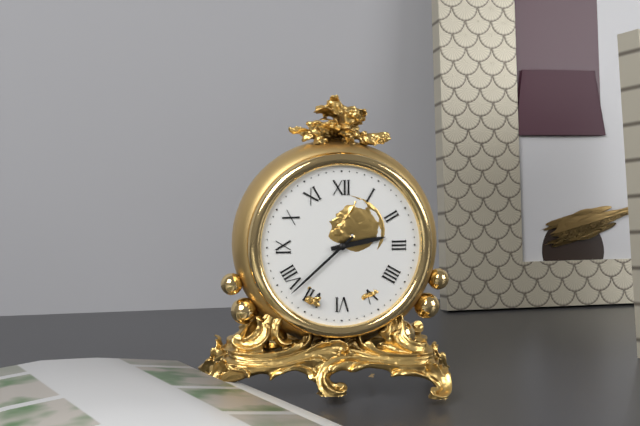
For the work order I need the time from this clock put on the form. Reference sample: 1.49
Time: 2.38
